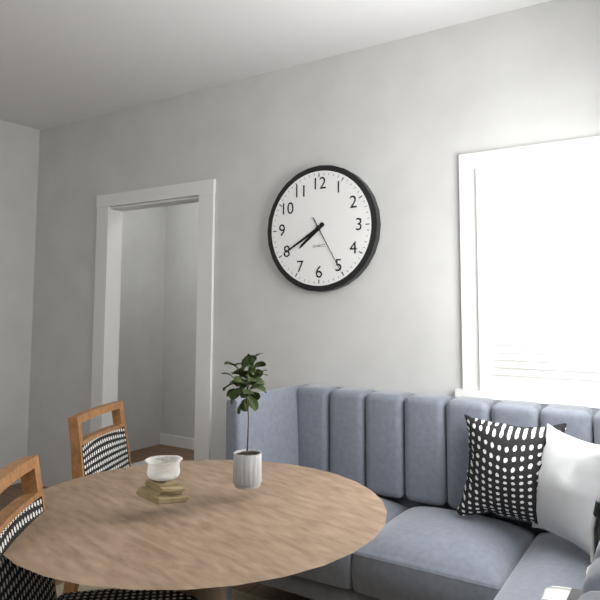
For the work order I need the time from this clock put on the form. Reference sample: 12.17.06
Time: 7.40.25
